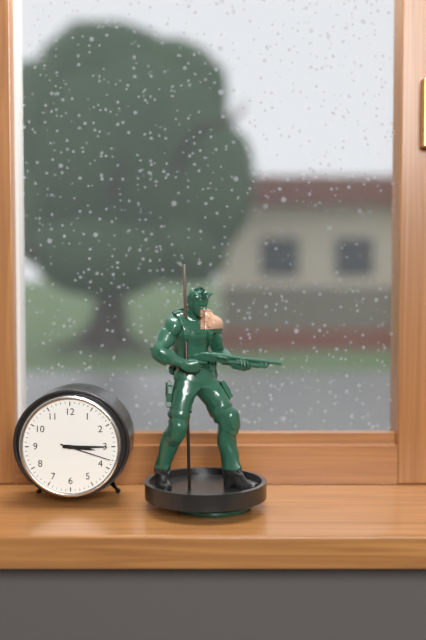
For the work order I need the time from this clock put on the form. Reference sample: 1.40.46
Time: 3.15.18
